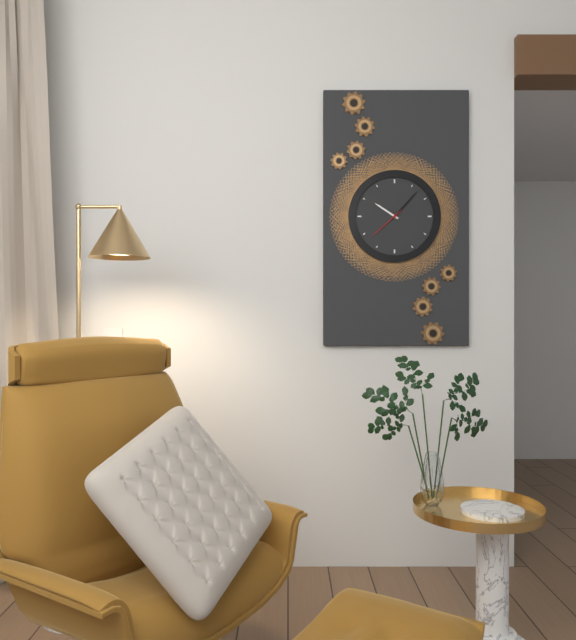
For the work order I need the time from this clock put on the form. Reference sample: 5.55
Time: 10.07
